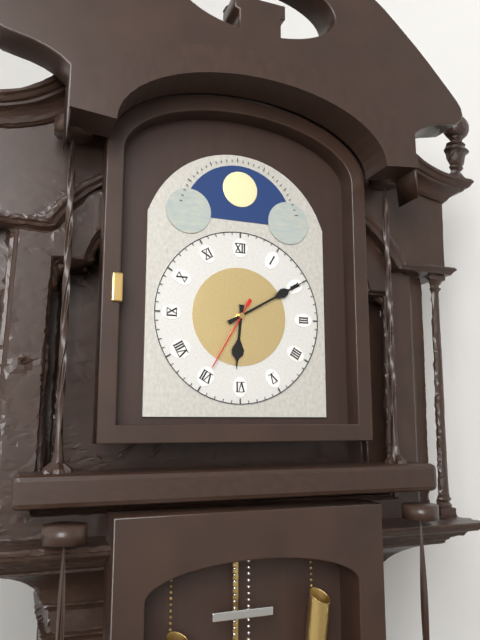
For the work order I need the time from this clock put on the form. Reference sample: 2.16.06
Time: 6.10.35
